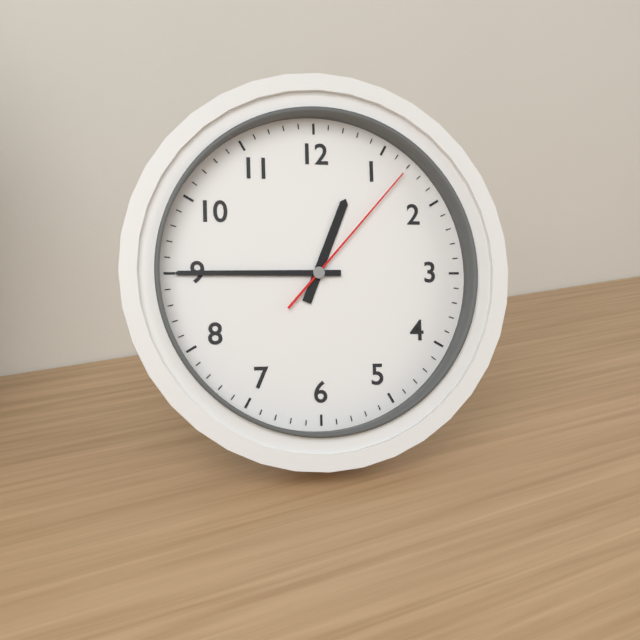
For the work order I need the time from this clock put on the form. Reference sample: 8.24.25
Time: 12.45.07
